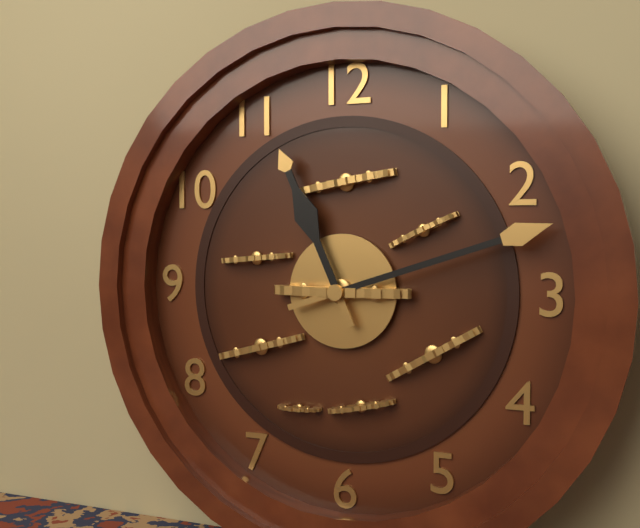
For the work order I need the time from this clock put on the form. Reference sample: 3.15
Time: 11.12
